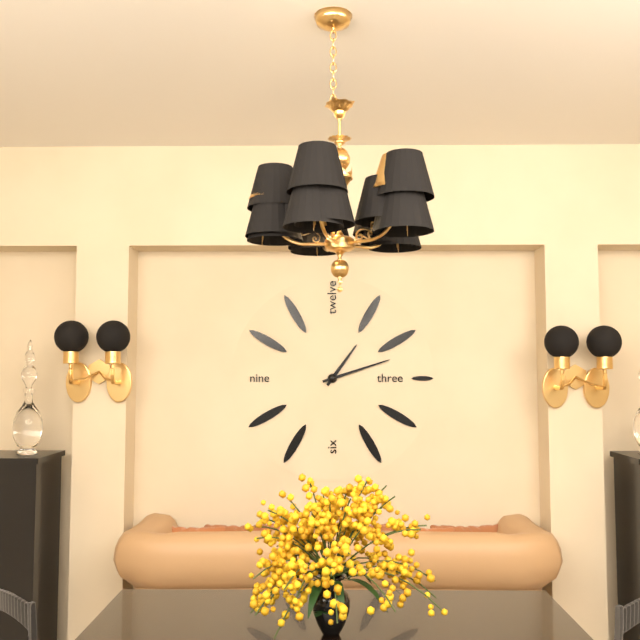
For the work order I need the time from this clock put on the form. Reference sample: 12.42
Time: 1.12
